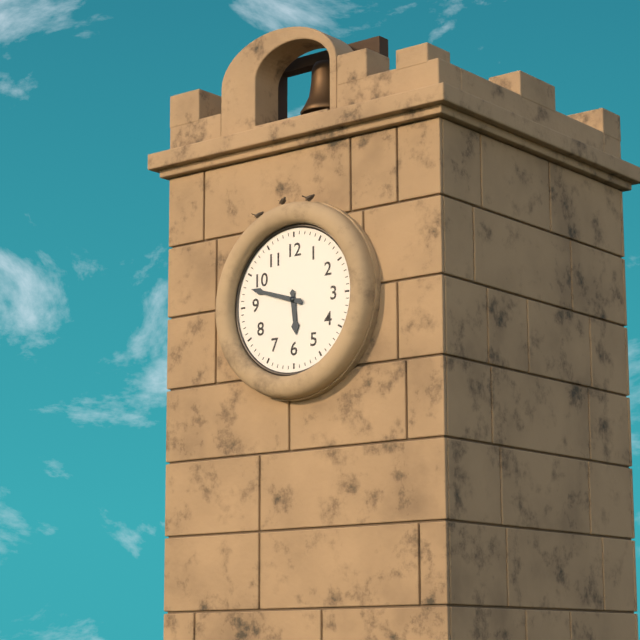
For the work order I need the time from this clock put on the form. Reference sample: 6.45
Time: 5.48
